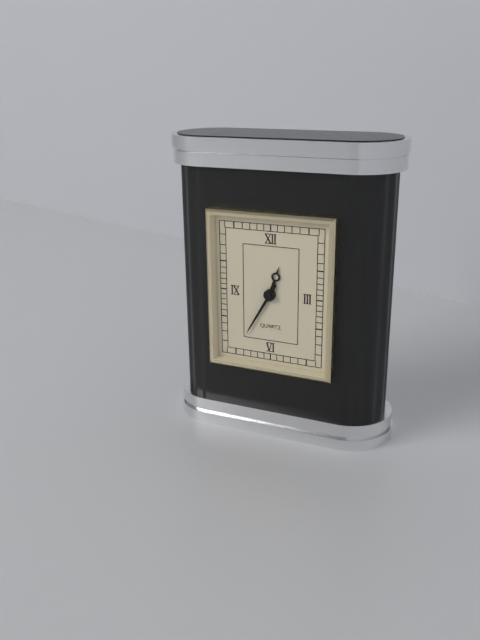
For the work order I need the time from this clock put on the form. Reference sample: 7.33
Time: 12.35
